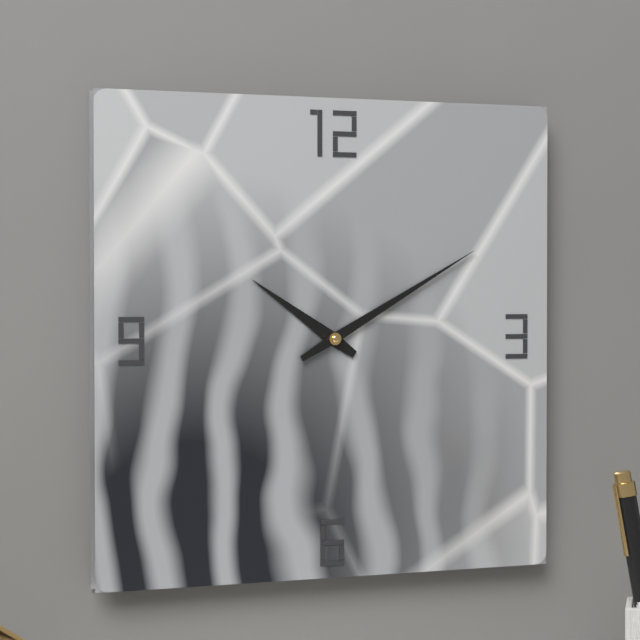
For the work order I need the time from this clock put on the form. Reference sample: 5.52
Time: 10.10
